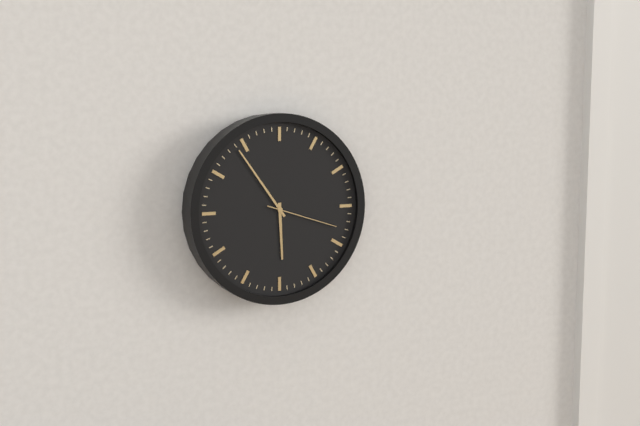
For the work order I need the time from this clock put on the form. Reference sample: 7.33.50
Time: 5.54.18
